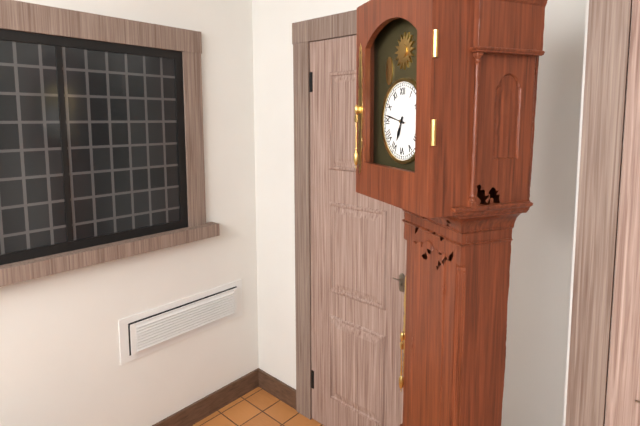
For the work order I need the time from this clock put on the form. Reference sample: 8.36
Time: 6.47
